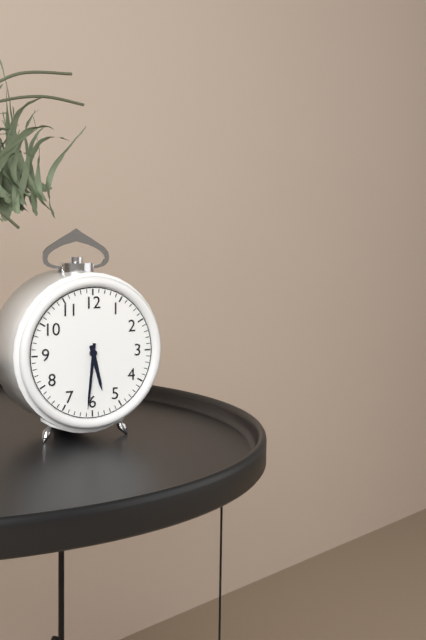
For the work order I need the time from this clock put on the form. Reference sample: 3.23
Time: 5.31
